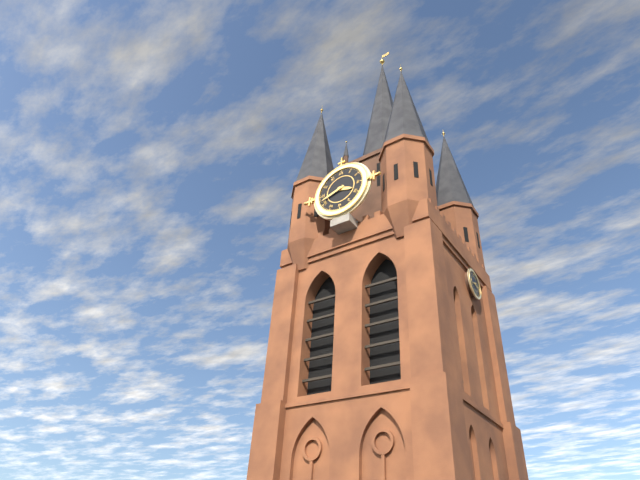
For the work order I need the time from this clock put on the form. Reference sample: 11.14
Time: 3.42
